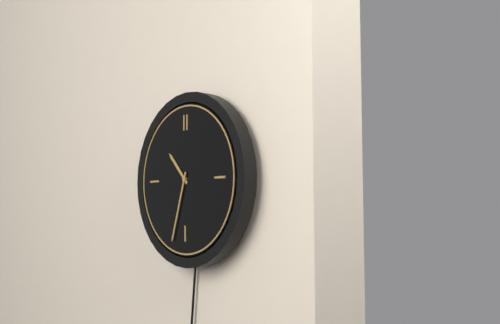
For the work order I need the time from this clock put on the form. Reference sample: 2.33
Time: 10.33
